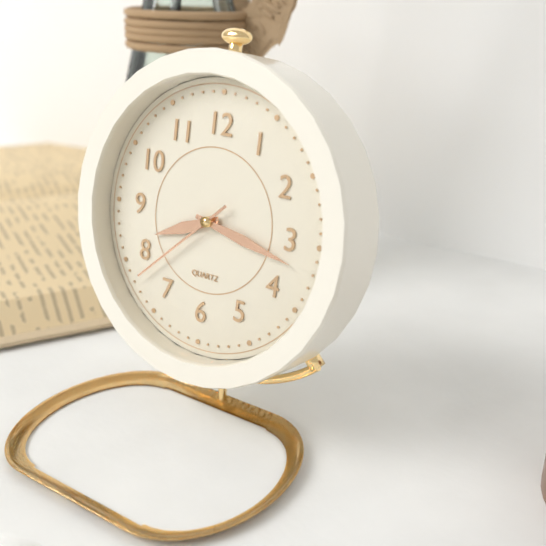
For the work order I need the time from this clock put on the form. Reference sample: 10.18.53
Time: 8.17.38
